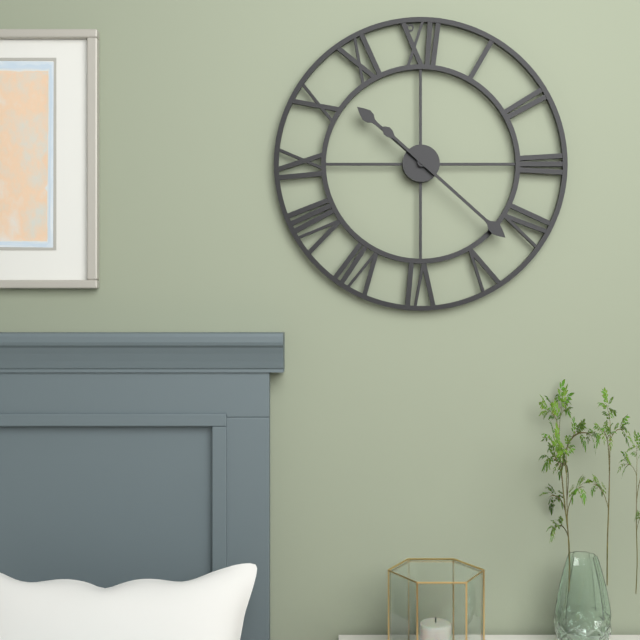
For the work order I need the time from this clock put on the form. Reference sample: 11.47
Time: 10.22
